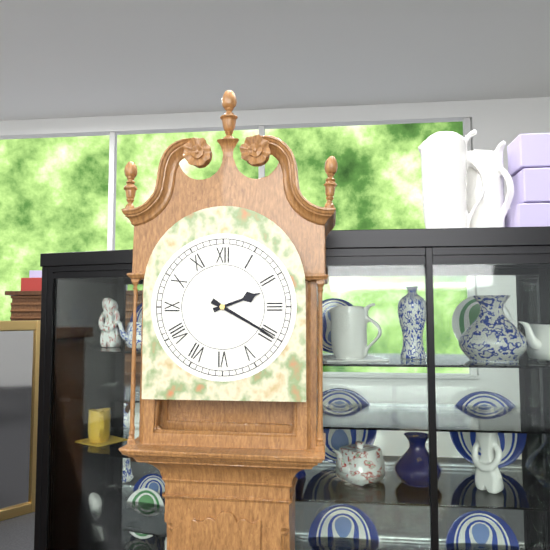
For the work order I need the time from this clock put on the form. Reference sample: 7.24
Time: 2.20
